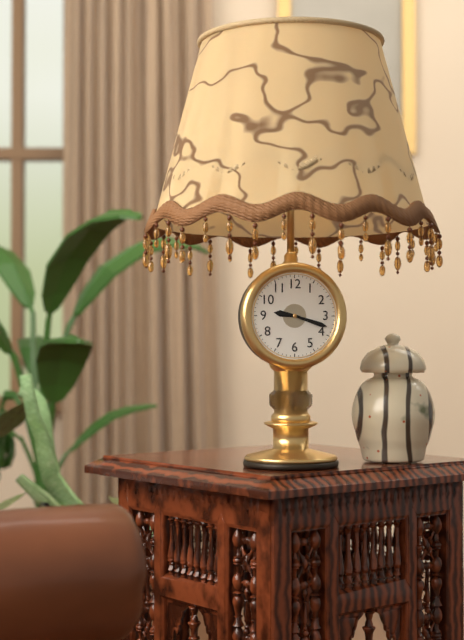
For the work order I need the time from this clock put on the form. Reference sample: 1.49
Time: 9.18
